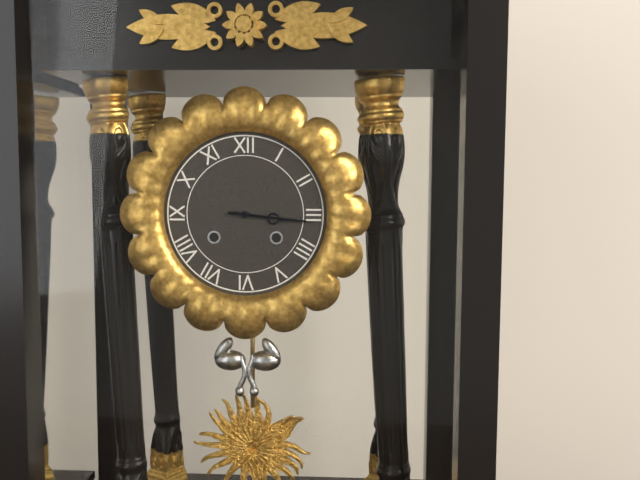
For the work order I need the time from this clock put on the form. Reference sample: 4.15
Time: 3.16
